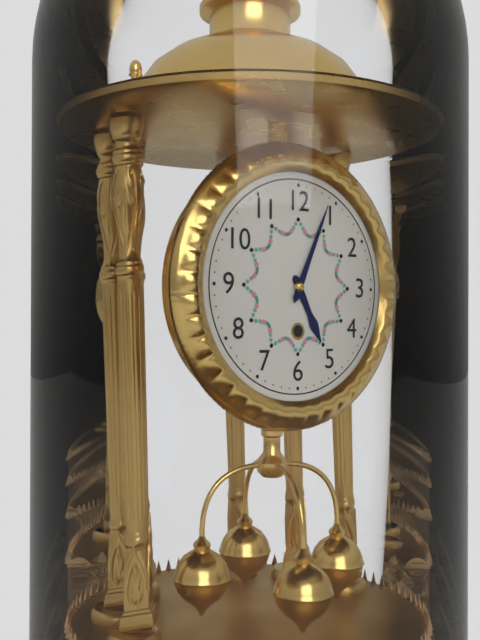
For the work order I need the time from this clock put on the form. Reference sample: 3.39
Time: 5.04
